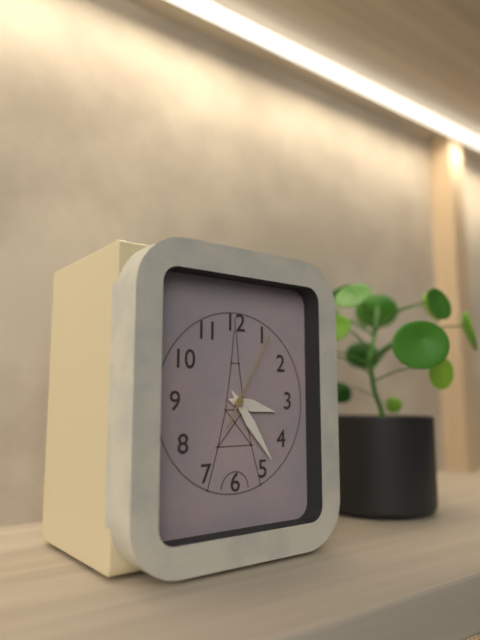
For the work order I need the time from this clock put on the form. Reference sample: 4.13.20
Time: 3.24.05
